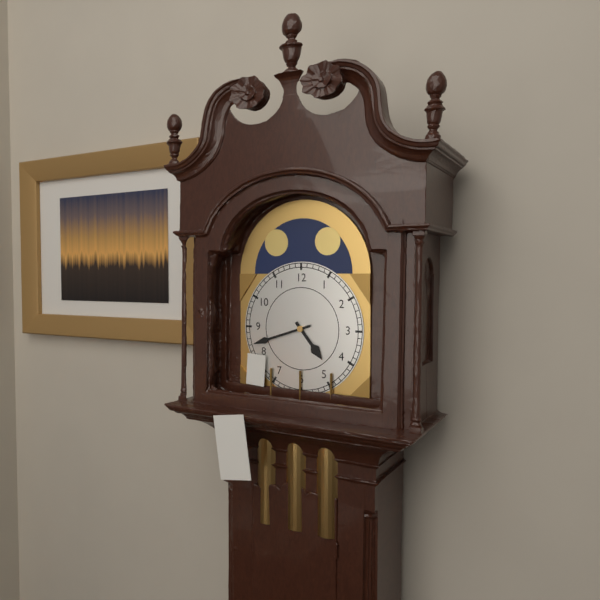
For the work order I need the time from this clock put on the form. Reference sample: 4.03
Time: 4.42
